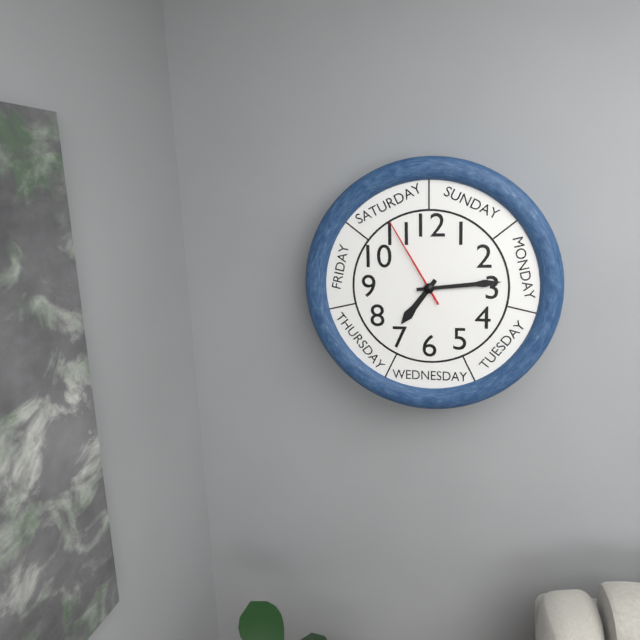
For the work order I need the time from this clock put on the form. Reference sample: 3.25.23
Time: 7.14.55
